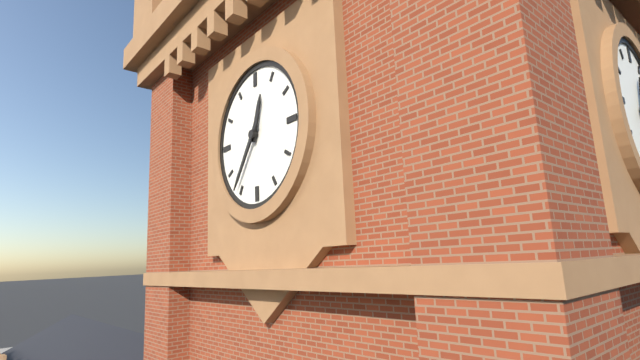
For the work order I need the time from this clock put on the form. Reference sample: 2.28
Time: 12.36
